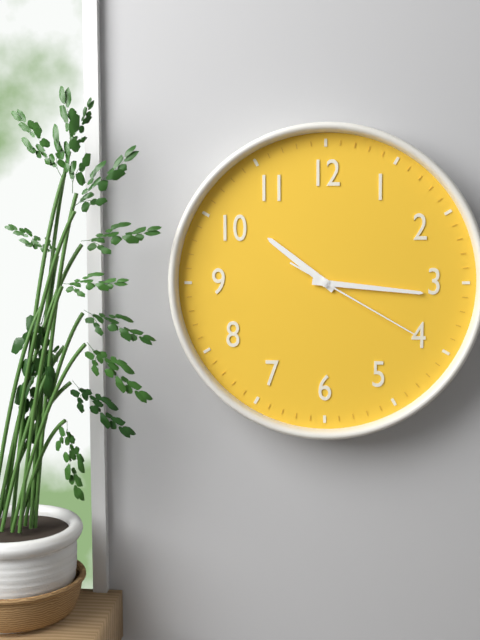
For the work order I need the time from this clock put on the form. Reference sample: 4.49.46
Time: 10.16.20
